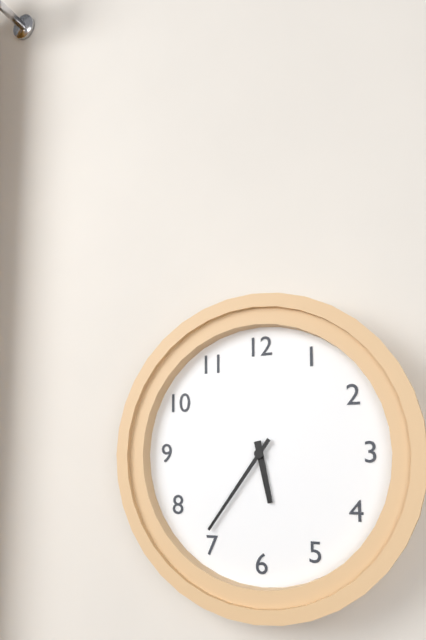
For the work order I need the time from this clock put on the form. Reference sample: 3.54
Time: 5.36
